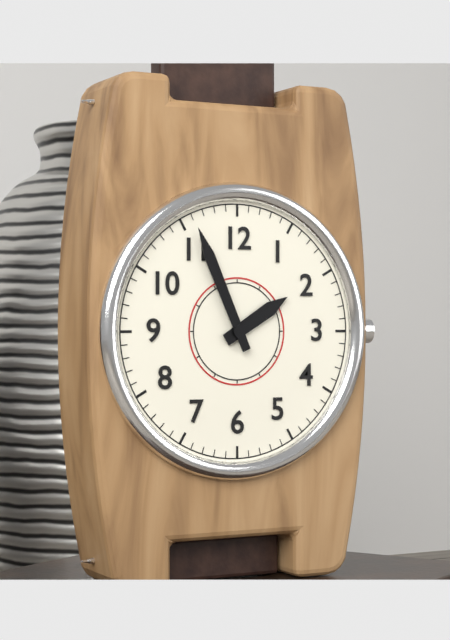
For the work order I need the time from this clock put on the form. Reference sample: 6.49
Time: 1.56
